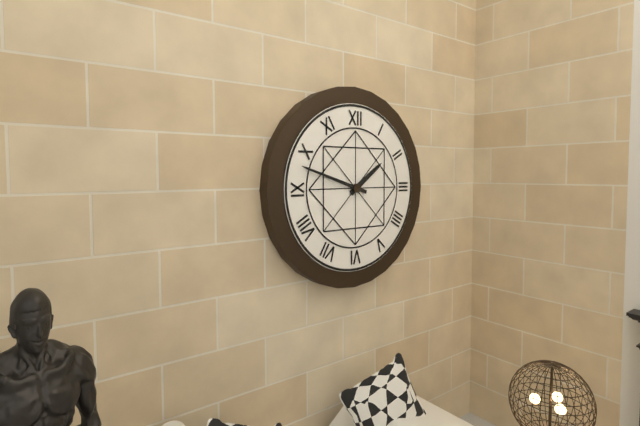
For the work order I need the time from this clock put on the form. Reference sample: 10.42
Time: 1.48
